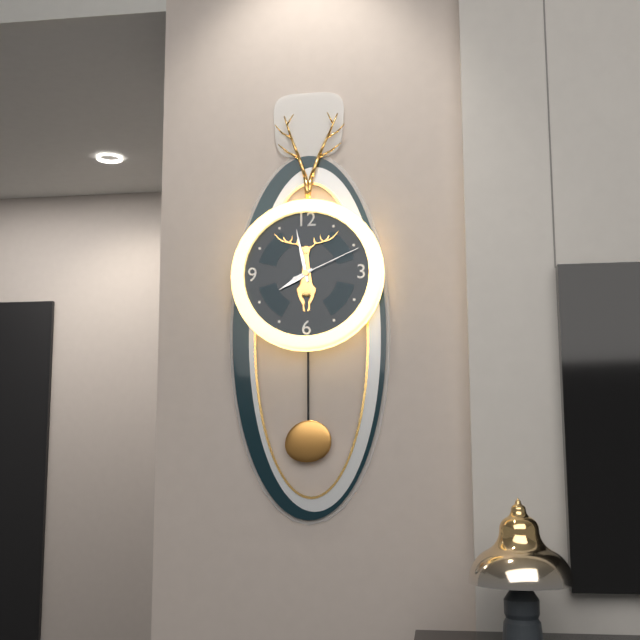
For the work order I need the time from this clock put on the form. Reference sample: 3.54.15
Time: 7.58.11
